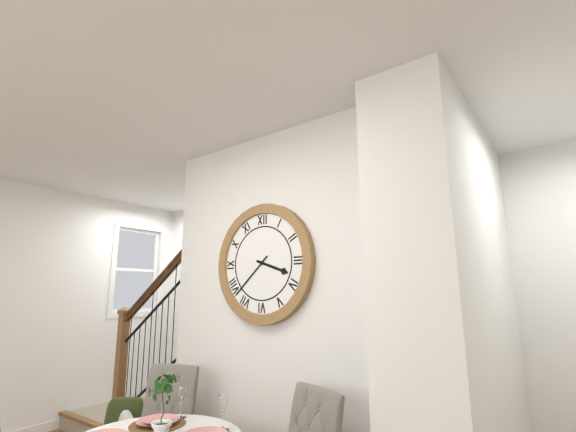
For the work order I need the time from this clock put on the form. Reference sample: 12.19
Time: 3.38
